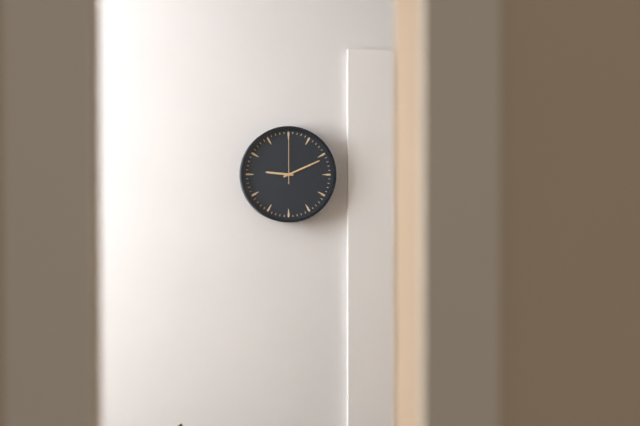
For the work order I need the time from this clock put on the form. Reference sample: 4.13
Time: 9.11
